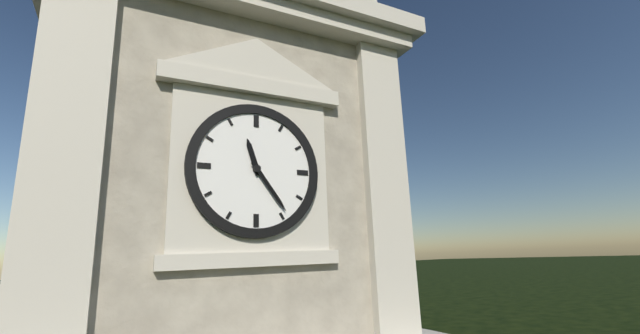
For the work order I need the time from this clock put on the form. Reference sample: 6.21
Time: 11.24
